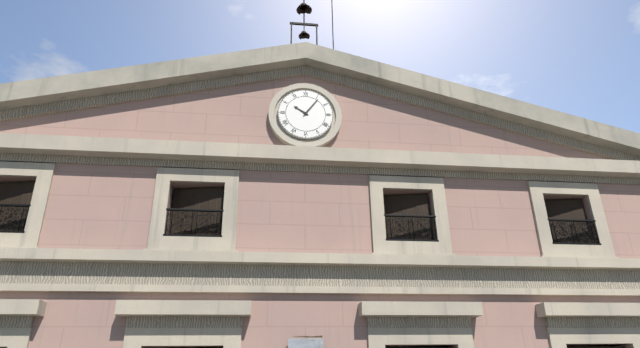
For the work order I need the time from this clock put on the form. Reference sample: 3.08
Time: 10.06
